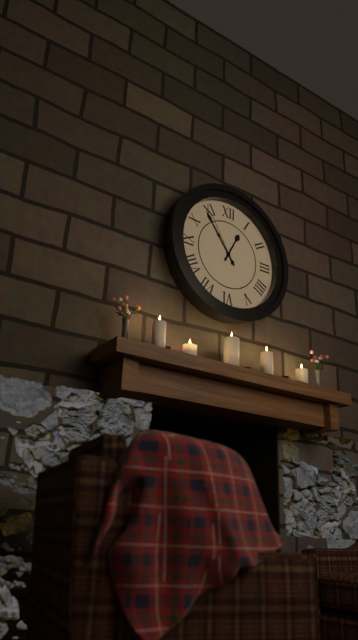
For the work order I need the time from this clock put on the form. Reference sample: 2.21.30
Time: 12.54.55
